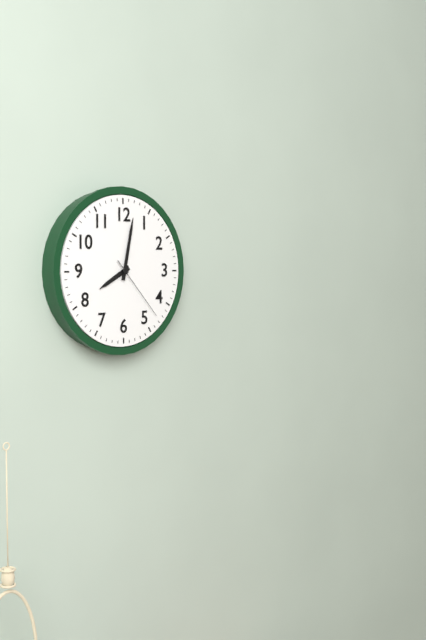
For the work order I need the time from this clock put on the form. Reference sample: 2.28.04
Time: 8.02.23
